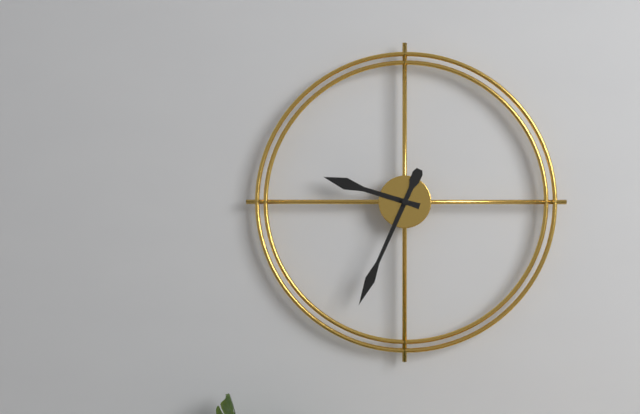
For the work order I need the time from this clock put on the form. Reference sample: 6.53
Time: 9.34
